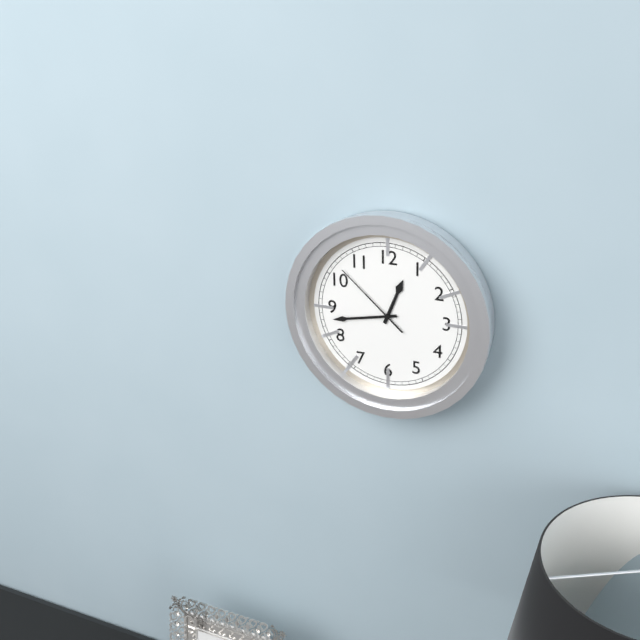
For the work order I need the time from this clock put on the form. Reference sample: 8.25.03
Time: 12.43.52
